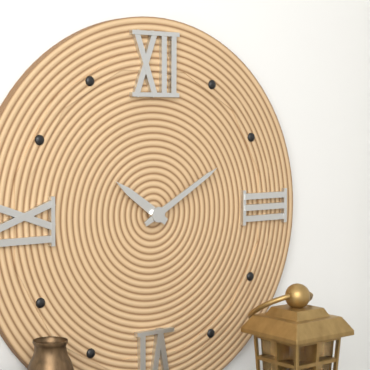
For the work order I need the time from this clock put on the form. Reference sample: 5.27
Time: 10.10
